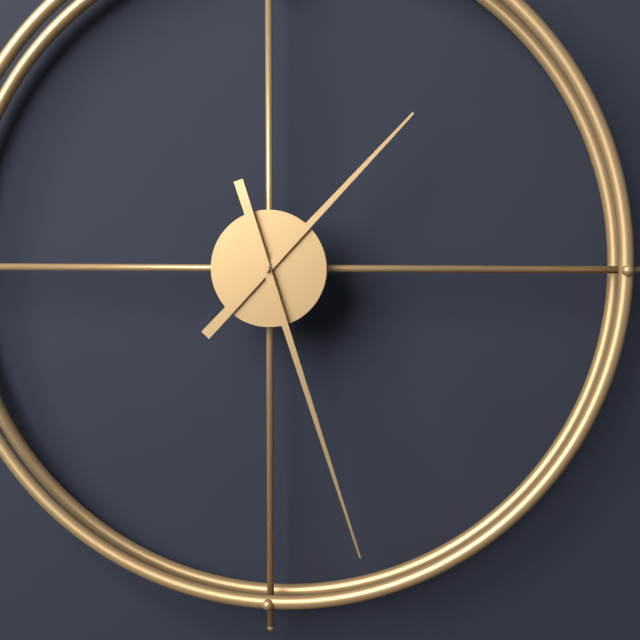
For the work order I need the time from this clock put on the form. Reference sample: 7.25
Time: 1.27
